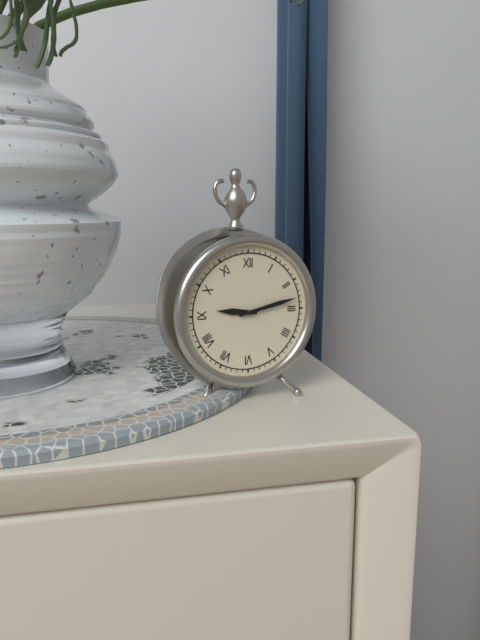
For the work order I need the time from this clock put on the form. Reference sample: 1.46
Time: 9.13
